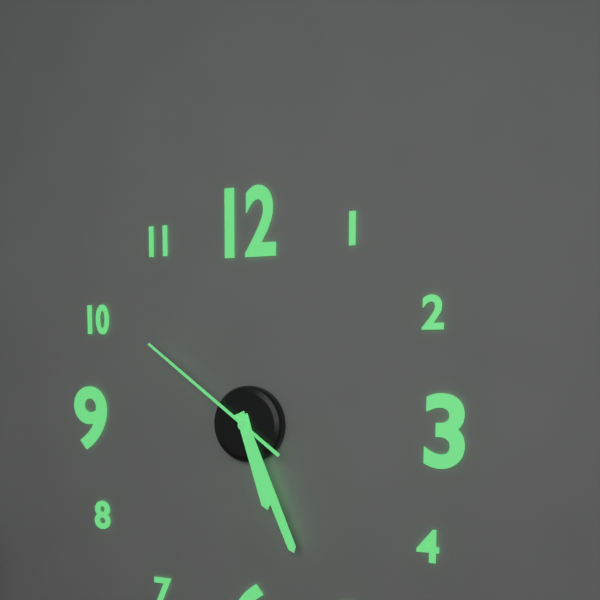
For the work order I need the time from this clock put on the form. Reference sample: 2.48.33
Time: 5.26.51
